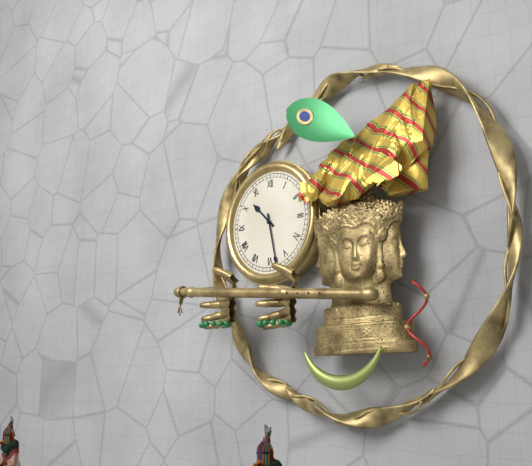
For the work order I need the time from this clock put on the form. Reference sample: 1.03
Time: 10.28
